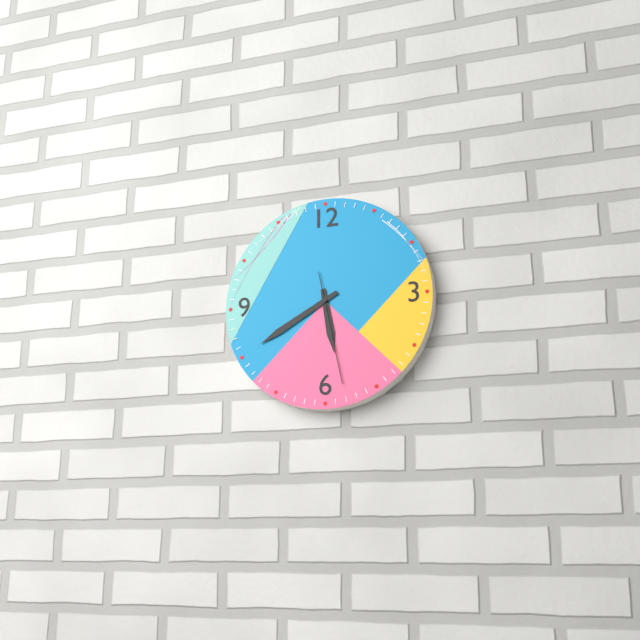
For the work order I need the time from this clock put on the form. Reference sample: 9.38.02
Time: 5.40.28
